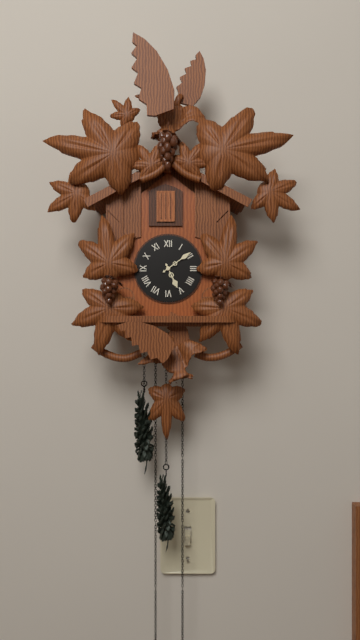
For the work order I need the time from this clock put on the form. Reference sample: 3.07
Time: 5.09
